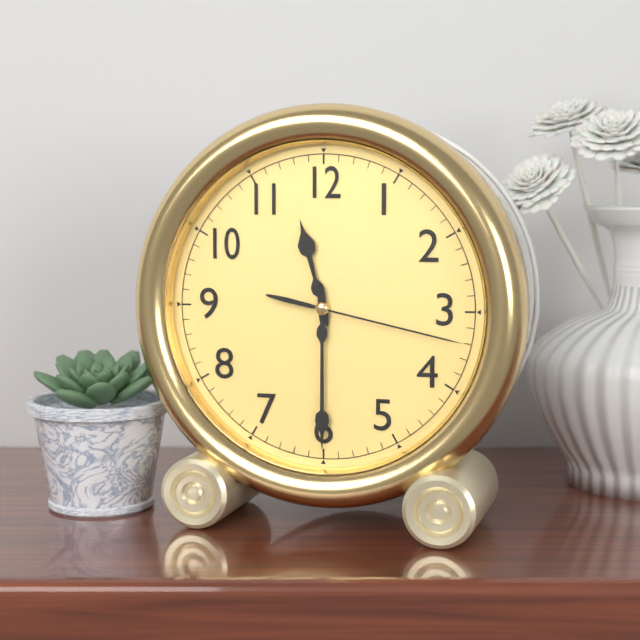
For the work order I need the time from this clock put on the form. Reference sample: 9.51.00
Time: 11.30.17
